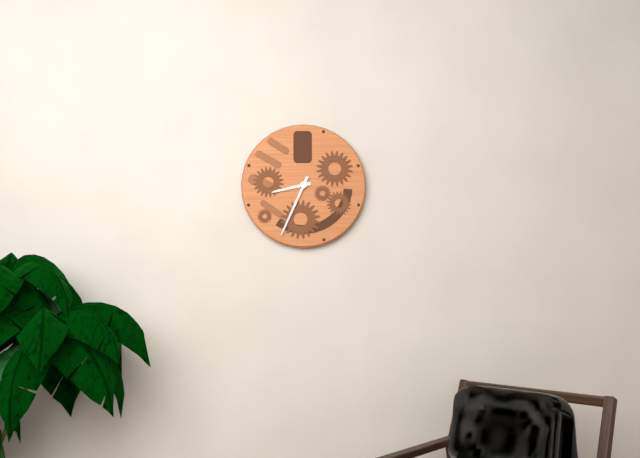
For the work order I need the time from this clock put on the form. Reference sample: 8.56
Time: 8.34
